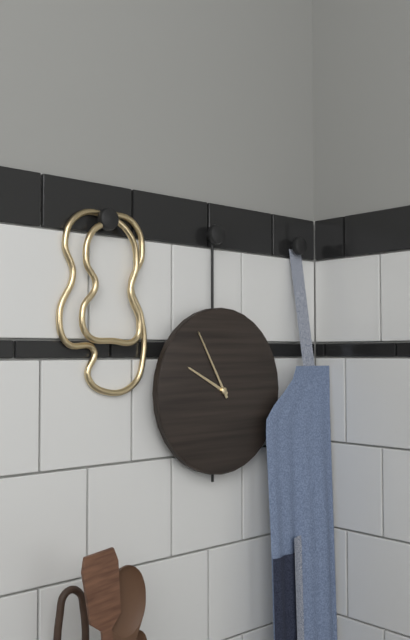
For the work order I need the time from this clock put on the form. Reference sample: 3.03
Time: 9.55
